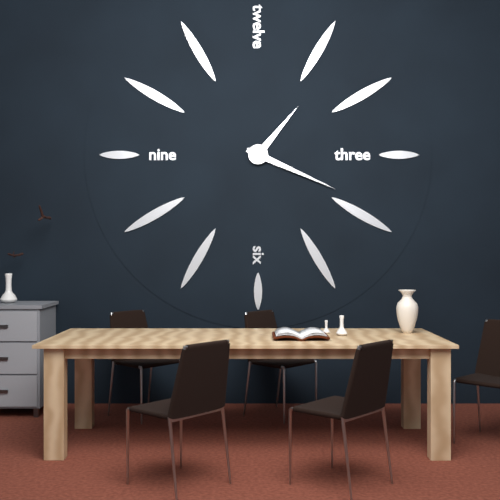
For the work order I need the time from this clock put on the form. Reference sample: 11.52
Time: 1.19
